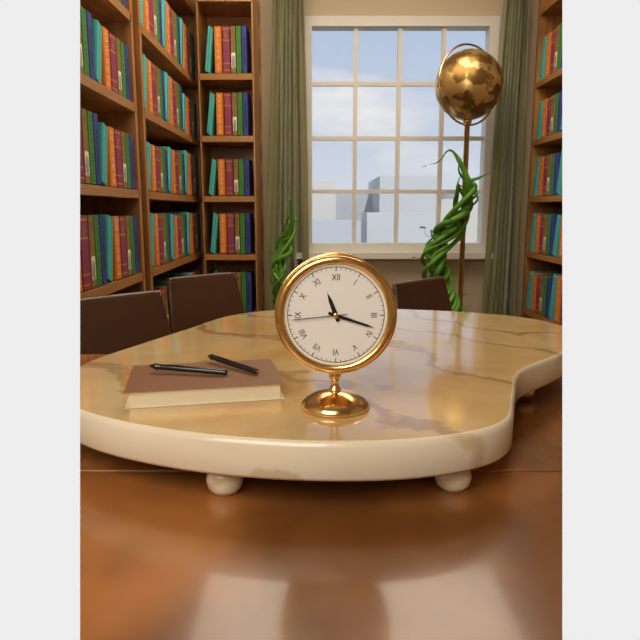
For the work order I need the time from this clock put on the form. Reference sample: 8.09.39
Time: 11.18.44
